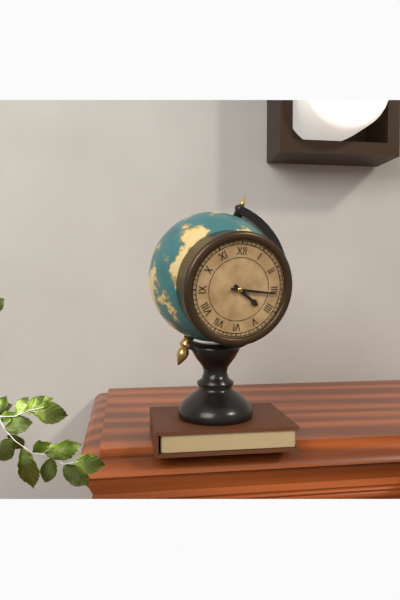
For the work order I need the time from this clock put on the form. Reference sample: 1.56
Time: 4.16
